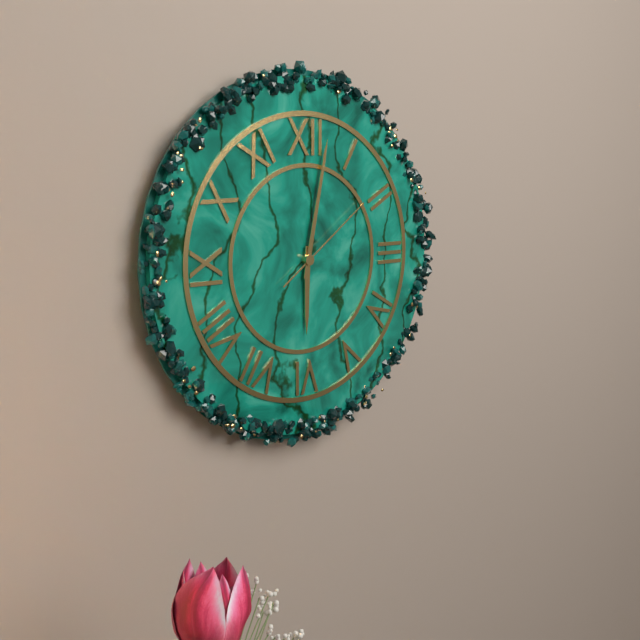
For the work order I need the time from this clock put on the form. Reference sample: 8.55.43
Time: 6.02.09
